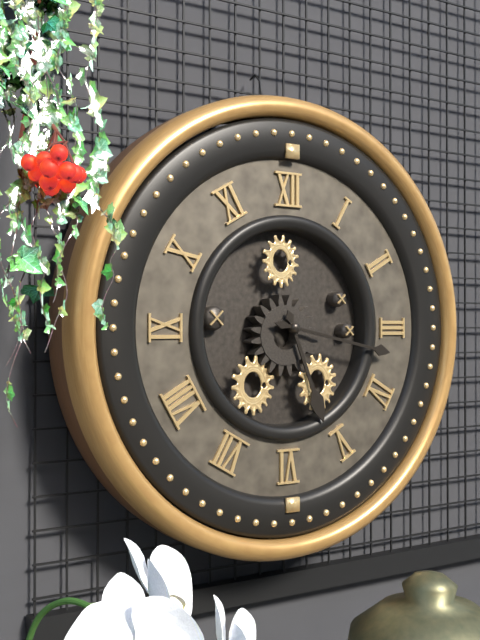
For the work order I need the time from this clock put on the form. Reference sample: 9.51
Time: 5.17
